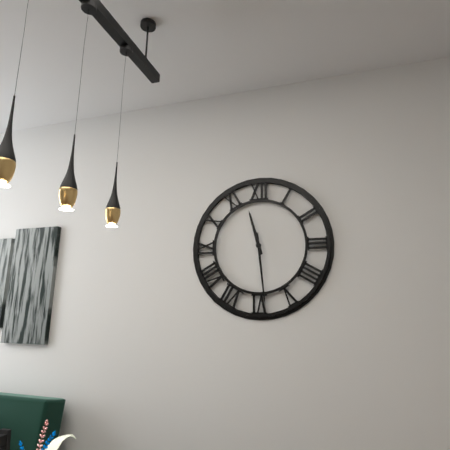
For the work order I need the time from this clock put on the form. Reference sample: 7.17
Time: 11.29
